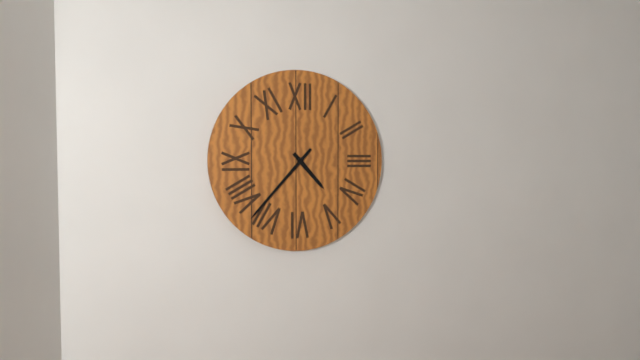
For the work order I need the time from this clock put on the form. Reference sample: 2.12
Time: 4.37
